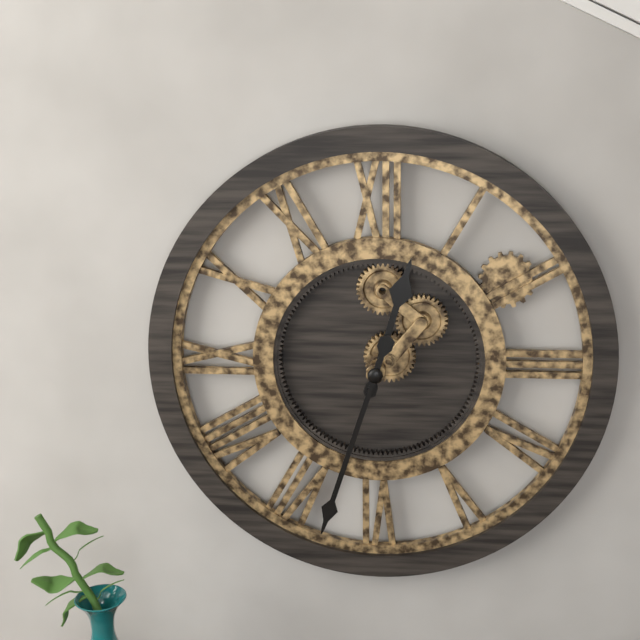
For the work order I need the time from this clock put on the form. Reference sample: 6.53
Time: 12.33
